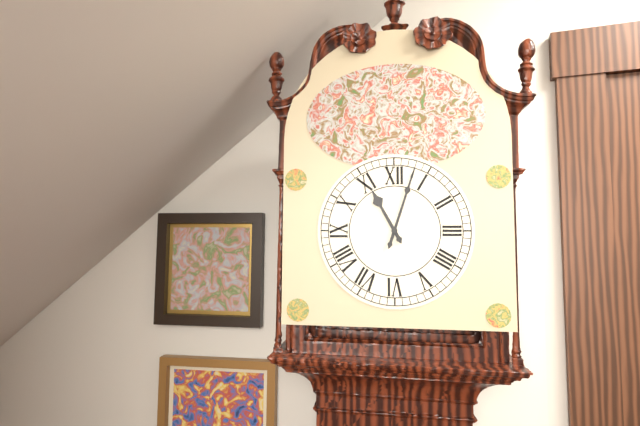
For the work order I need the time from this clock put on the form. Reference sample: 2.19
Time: 11.03
